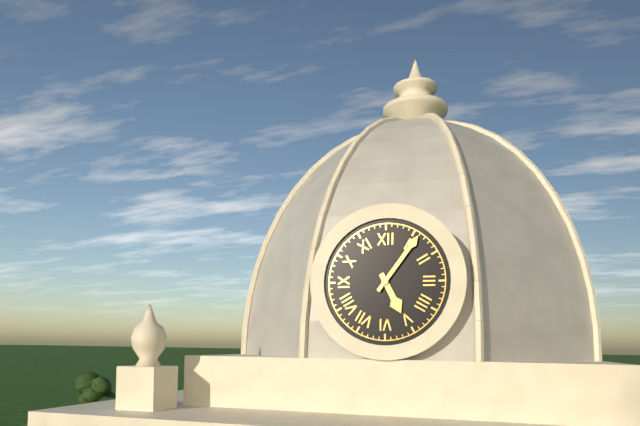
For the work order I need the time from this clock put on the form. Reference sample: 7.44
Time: 5.06
